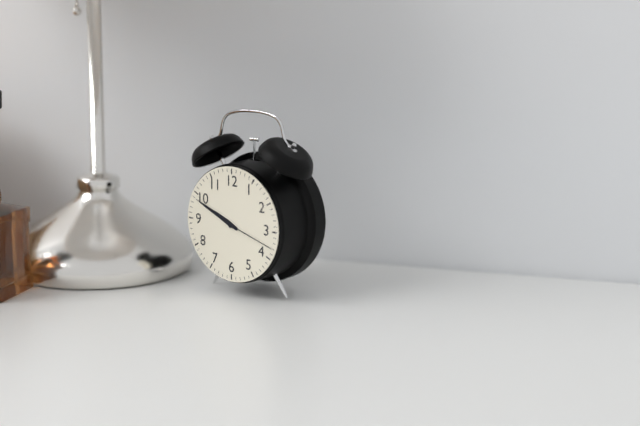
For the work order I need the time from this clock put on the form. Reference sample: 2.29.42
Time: 9.49.18
